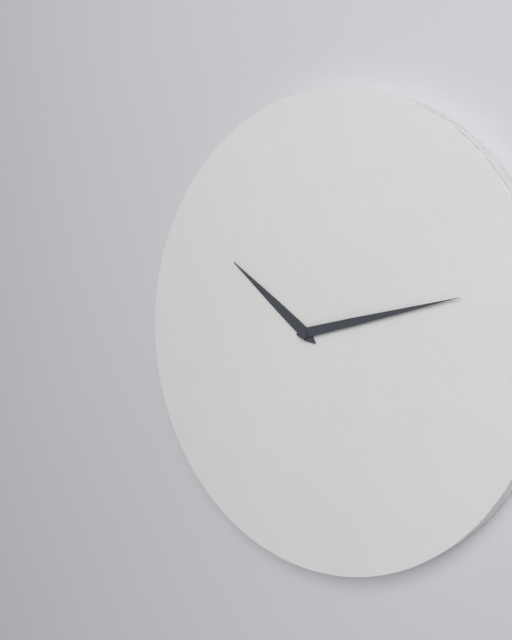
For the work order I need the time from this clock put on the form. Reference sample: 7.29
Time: 10.13
